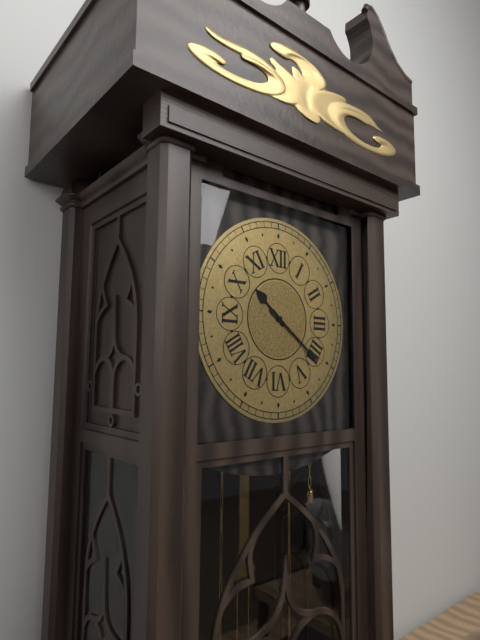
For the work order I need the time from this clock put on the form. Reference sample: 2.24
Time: 10.21
